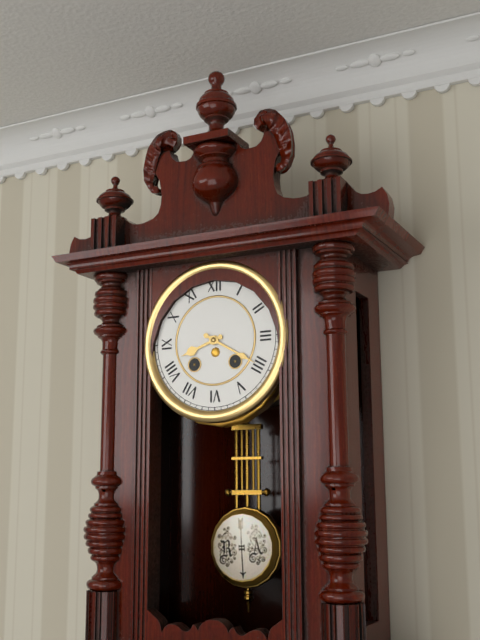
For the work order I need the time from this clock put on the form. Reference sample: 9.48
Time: 8.20
